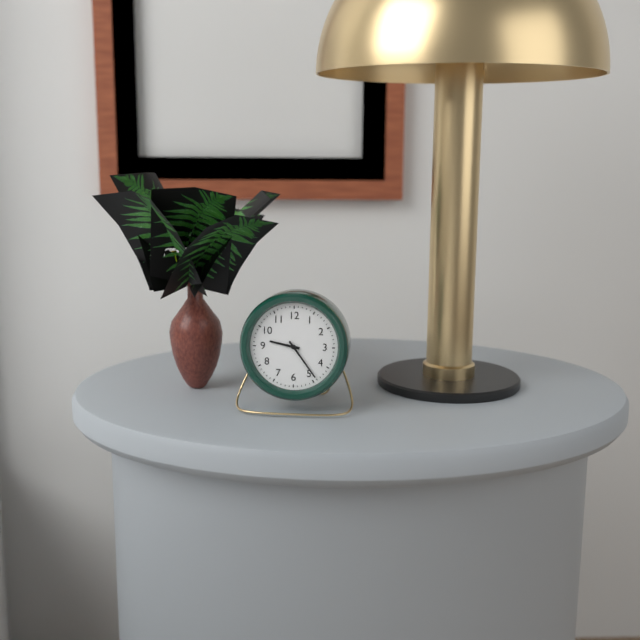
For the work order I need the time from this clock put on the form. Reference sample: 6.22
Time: 9.24
